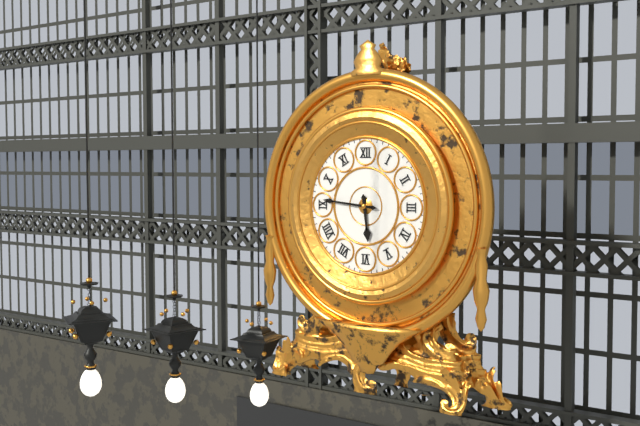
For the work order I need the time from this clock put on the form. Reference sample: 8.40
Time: 5.46
